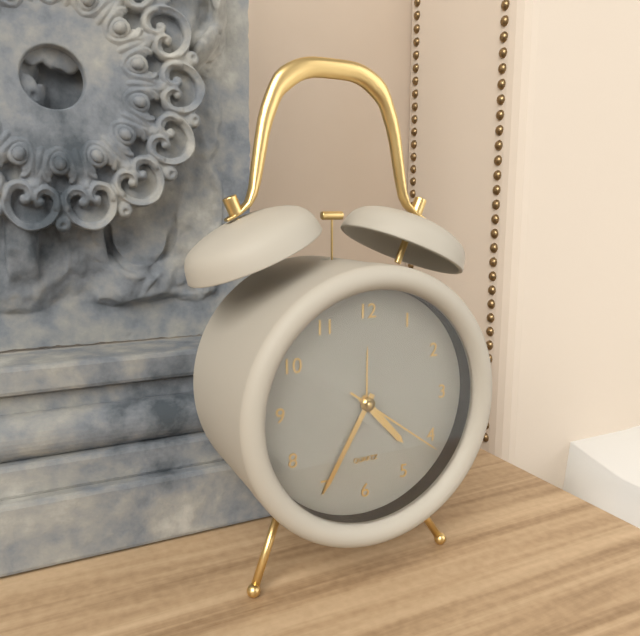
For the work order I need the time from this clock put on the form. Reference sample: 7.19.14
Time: 4.35.21
